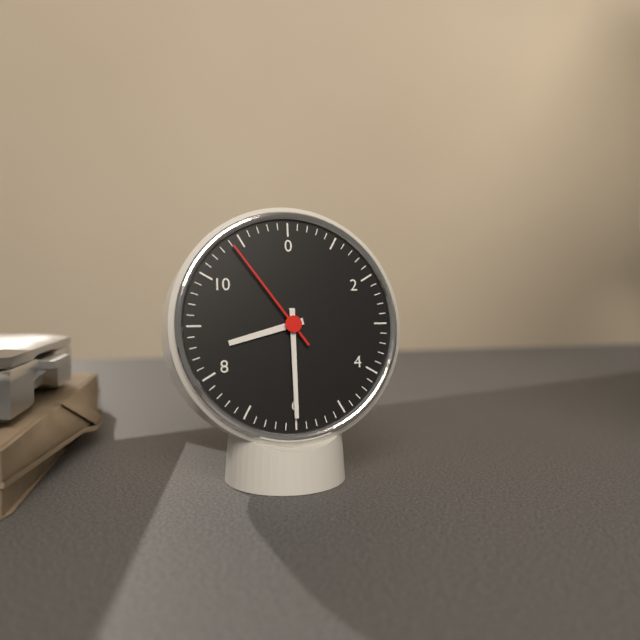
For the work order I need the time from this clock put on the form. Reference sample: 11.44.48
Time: 8.30.54
